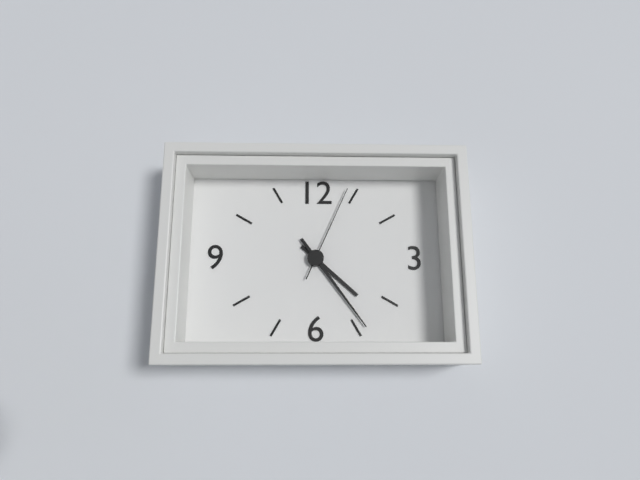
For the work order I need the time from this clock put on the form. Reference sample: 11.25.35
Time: 4.24.04
